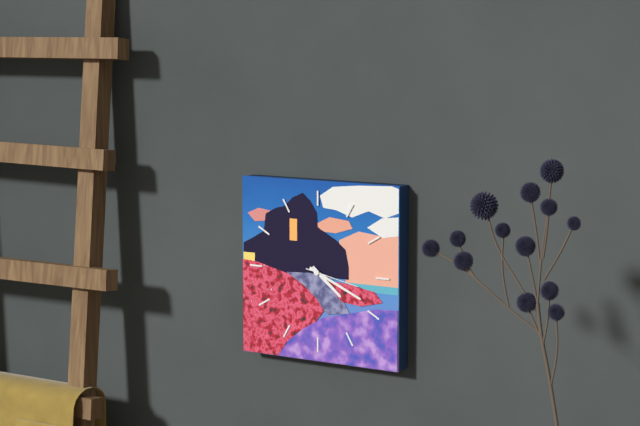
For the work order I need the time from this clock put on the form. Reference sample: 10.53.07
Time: 4.19.17
